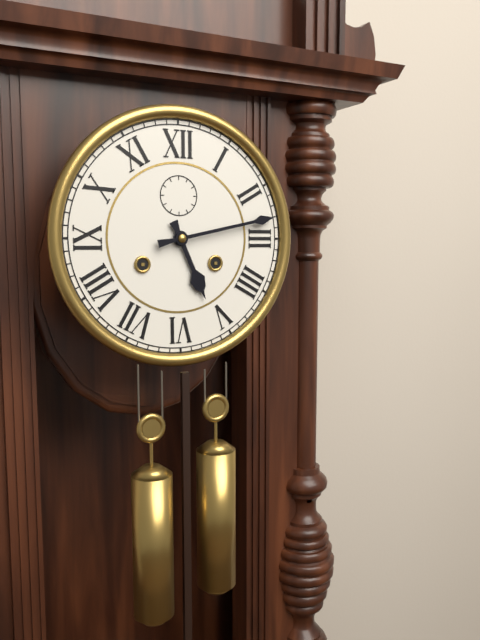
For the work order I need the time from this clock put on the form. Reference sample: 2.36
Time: 5.13
